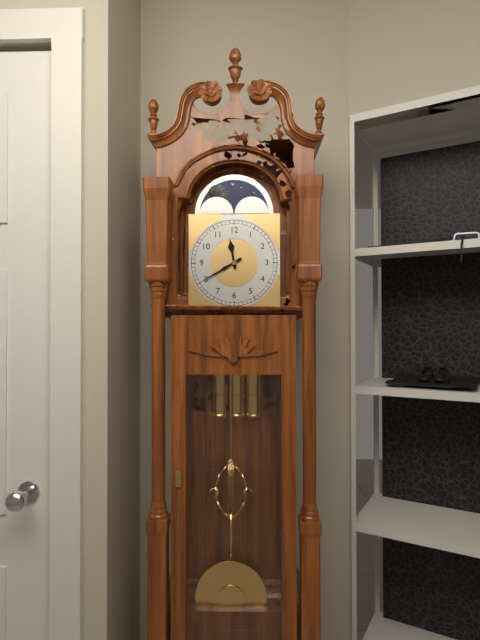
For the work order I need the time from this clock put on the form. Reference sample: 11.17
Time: 11.40
